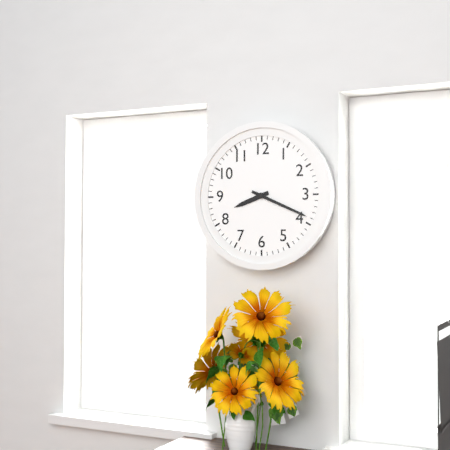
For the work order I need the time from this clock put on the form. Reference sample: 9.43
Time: 8.19
